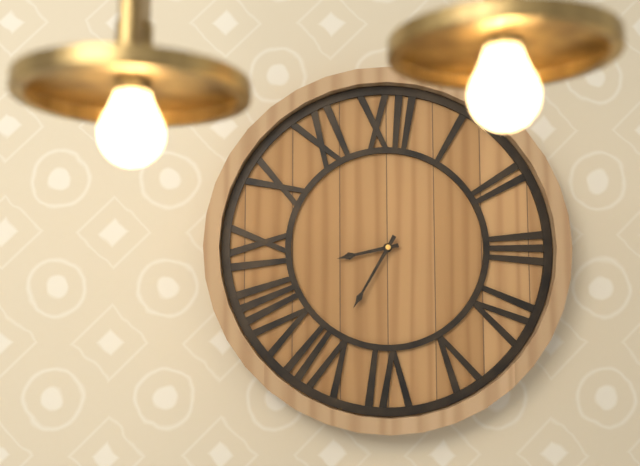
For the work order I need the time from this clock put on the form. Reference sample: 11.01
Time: 8.35
